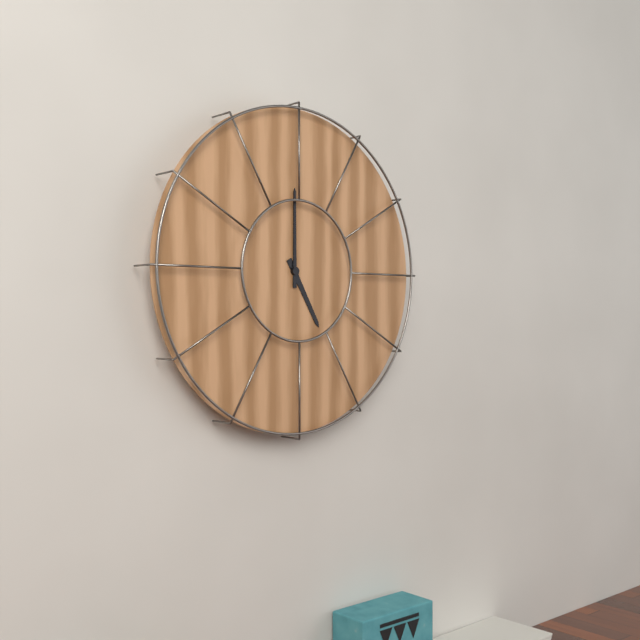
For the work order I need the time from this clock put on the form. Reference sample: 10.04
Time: 5.00
